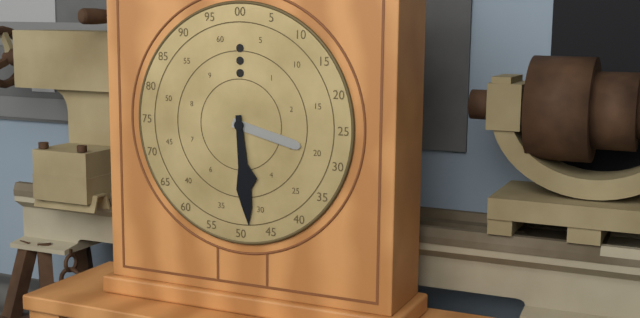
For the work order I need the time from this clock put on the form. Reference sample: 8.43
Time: 3.29
